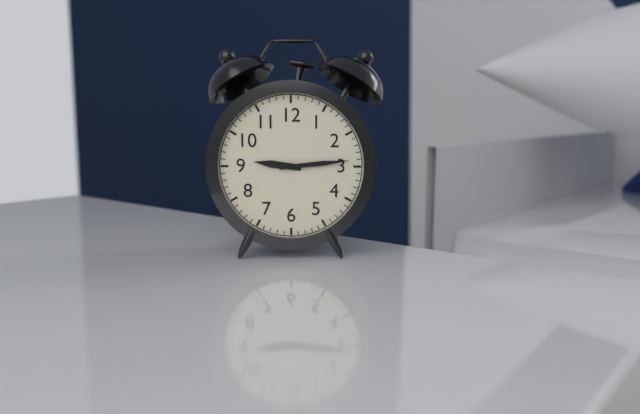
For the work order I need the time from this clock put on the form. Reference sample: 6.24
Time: 9.14
